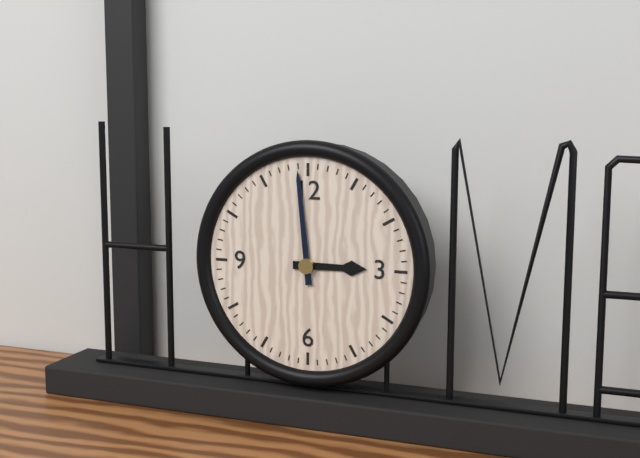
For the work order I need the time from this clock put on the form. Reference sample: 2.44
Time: 2.59
